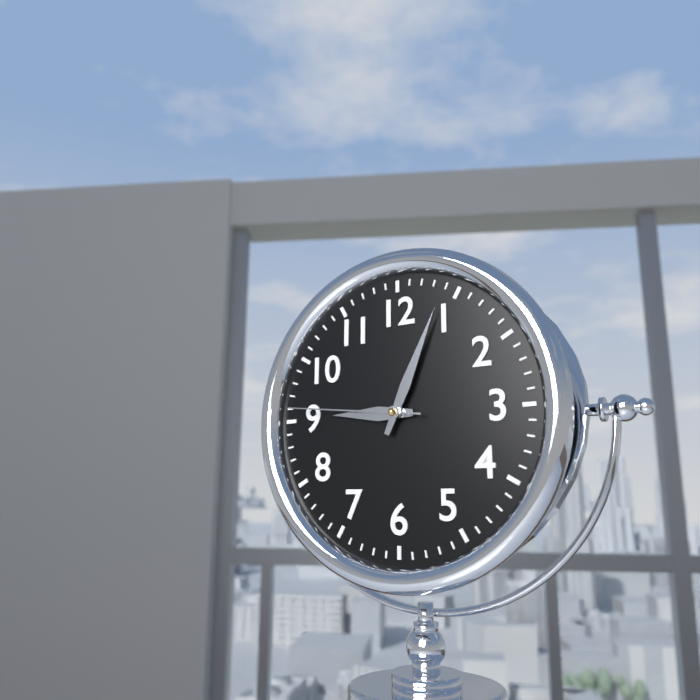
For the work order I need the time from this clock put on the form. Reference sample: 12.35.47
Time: 9.04.46
